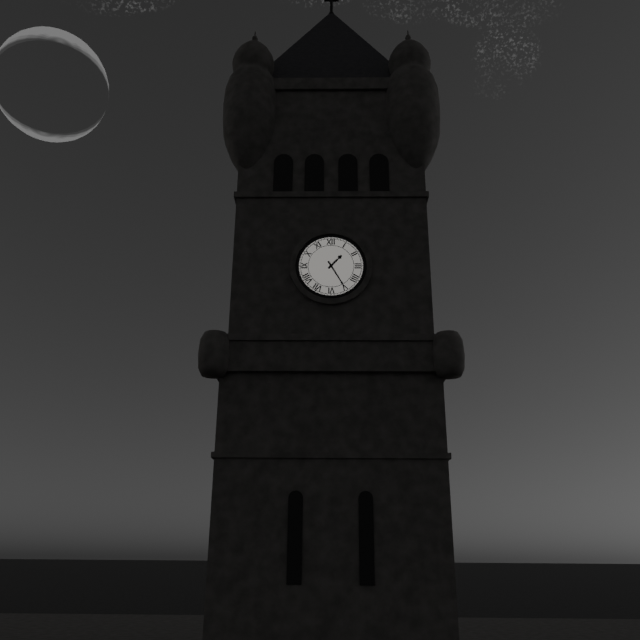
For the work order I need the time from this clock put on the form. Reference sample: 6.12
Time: 1.25
